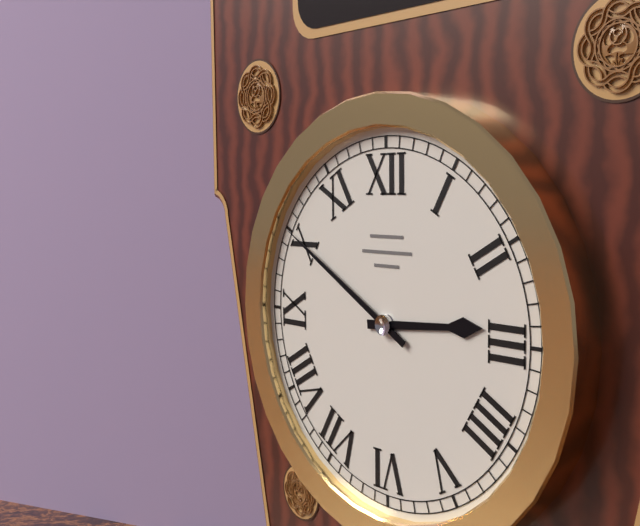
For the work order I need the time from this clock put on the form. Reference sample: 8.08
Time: 2.50
